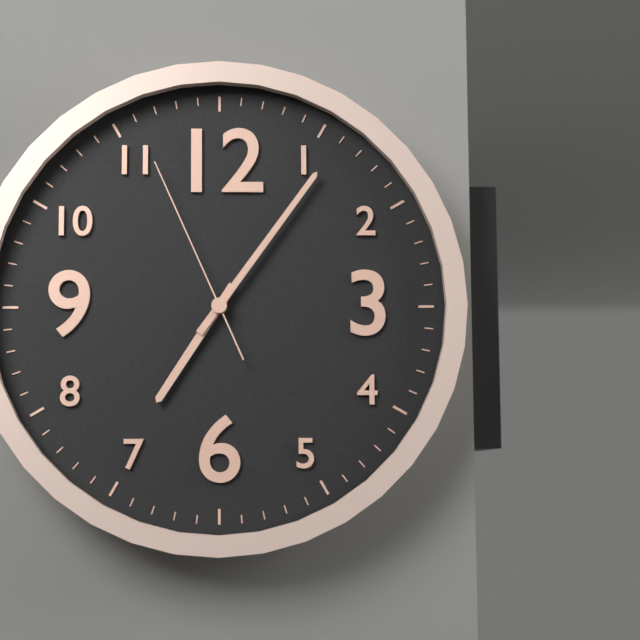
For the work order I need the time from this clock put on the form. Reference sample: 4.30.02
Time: 7.06.56
